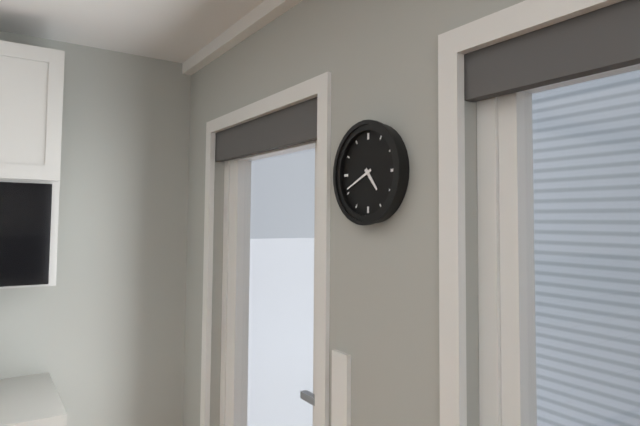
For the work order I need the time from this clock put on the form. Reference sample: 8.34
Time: 4.41
